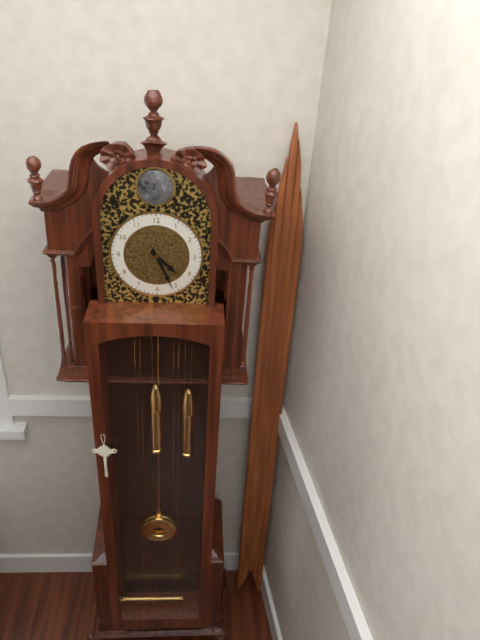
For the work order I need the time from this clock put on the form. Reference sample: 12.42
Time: 4.26
